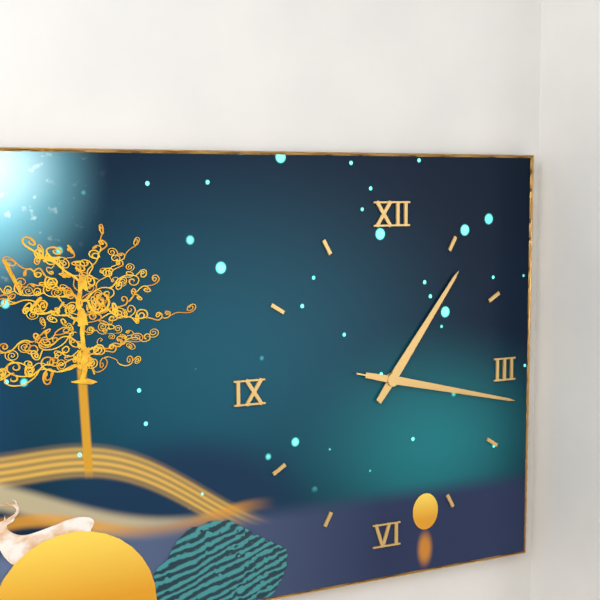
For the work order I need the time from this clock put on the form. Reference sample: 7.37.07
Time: 1.17.17
